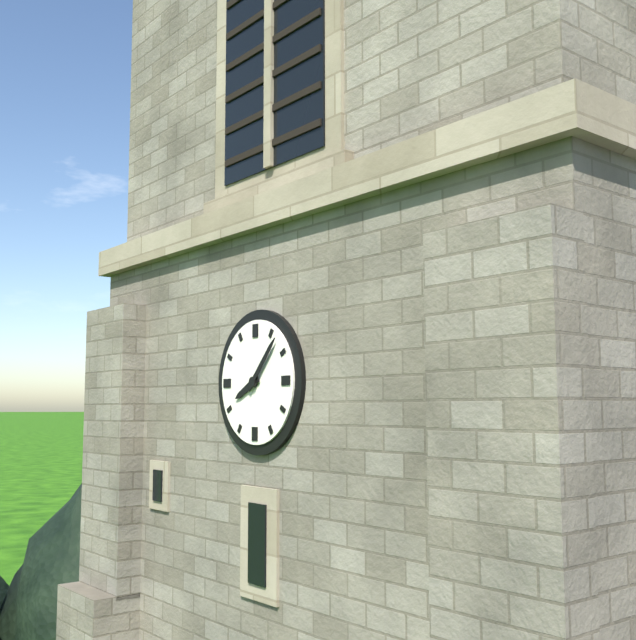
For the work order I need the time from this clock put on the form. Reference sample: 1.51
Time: 8.07
